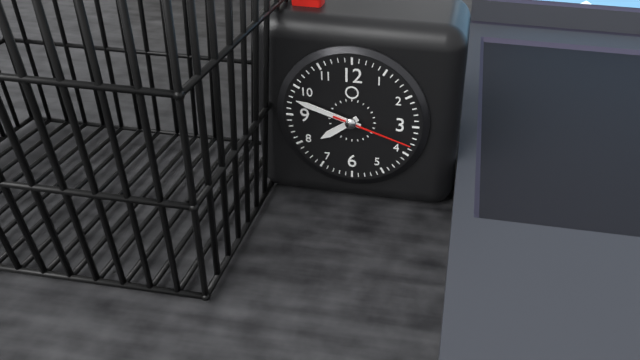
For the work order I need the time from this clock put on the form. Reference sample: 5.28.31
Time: 7.48.18
